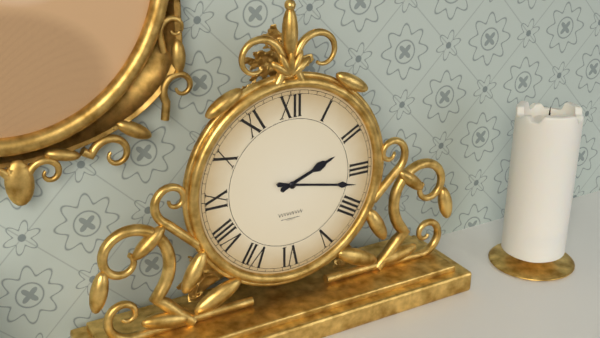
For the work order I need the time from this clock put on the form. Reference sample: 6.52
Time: 2.17
